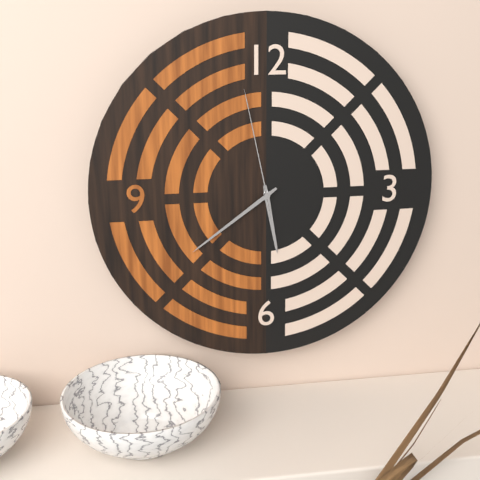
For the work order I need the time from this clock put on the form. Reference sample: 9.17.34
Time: 5.39.58
